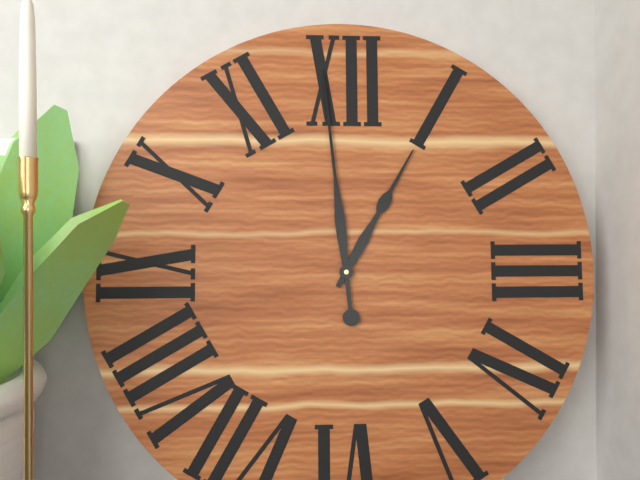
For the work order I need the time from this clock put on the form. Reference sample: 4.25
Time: 12.59
